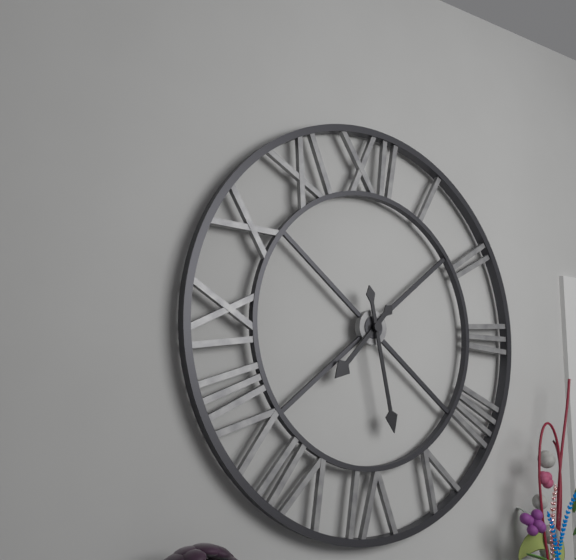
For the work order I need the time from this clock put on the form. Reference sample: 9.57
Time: 7.28
